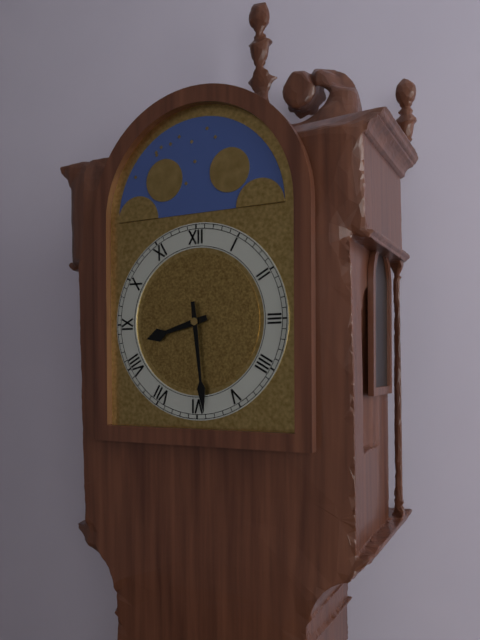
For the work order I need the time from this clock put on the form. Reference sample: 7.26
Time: 8.29
